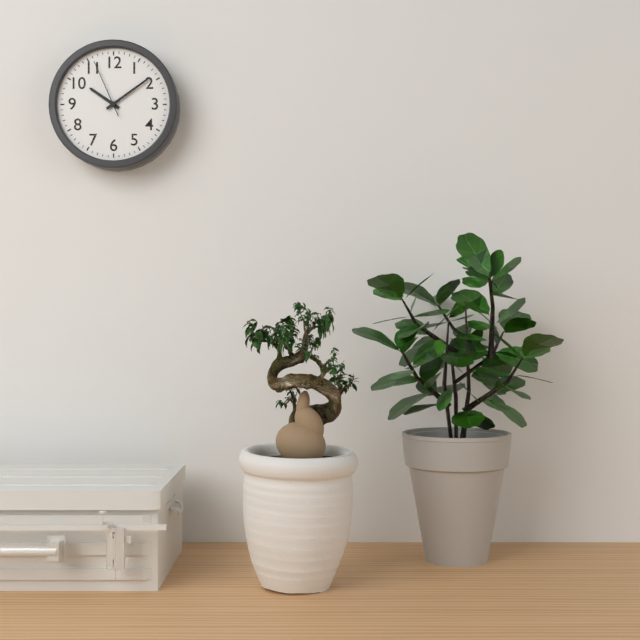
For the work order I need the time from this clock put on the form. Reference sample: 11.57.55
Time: 10.09.56
